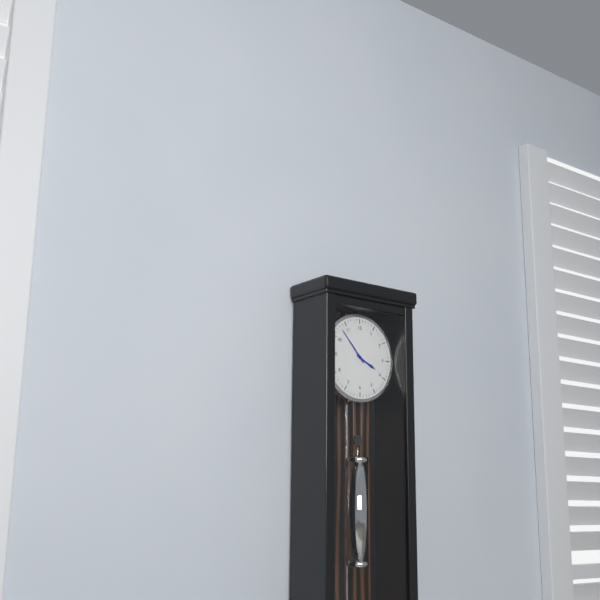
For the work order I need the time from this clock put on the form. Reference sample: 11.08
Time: 3.53
